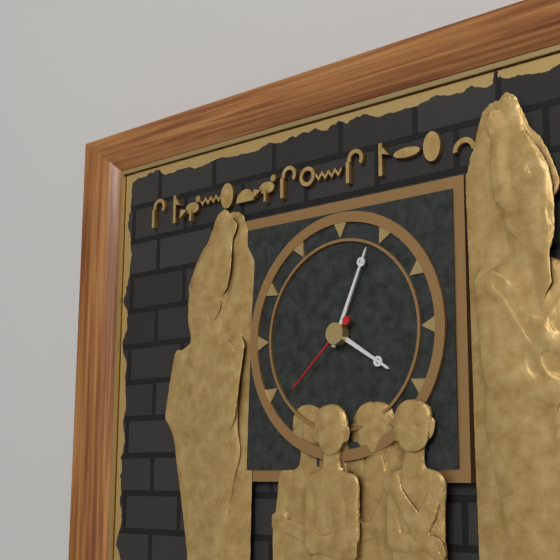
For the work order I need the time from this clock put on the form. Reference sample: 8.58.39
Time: 4.04.38
